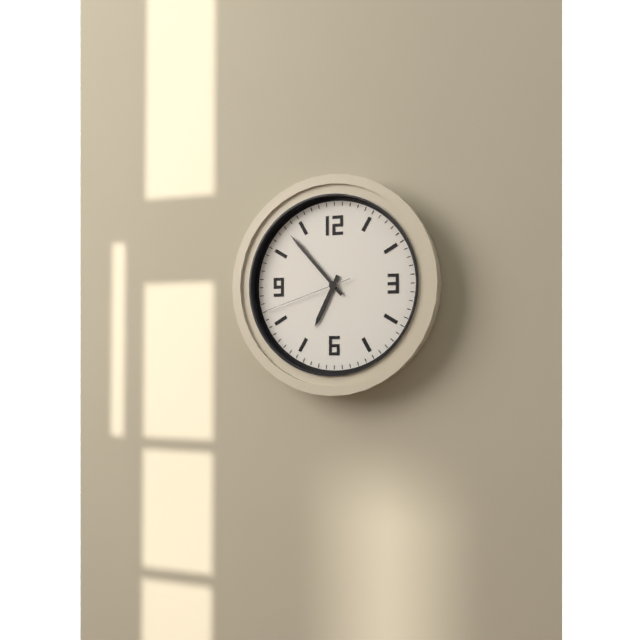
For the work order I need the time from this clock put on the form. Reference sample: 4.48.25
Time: 6.53.42
